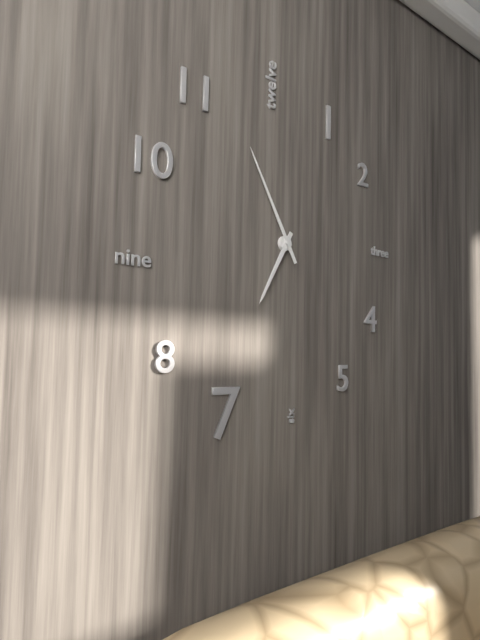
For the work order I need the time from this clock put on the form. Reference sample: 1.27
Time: 6.55
